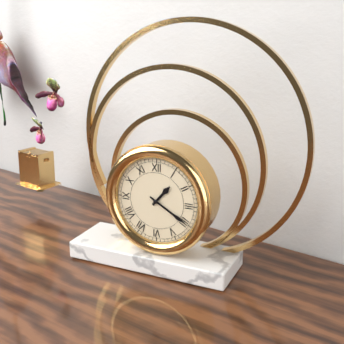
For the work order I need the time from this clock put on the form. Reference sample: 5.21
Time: 1.20
